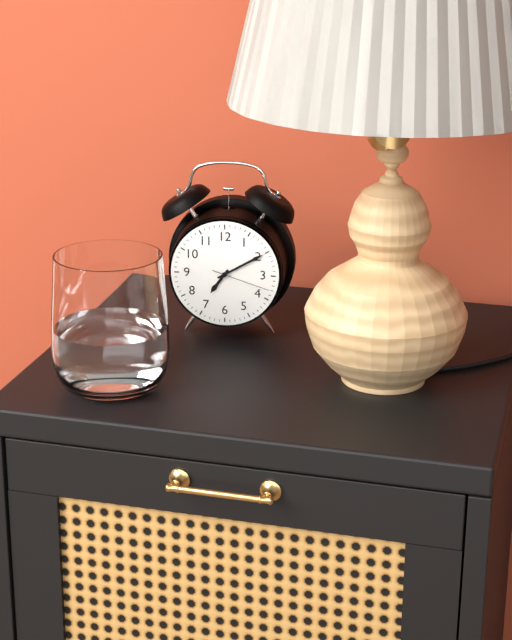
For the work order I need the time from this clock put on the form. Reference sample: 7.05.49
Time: 7.10.18
